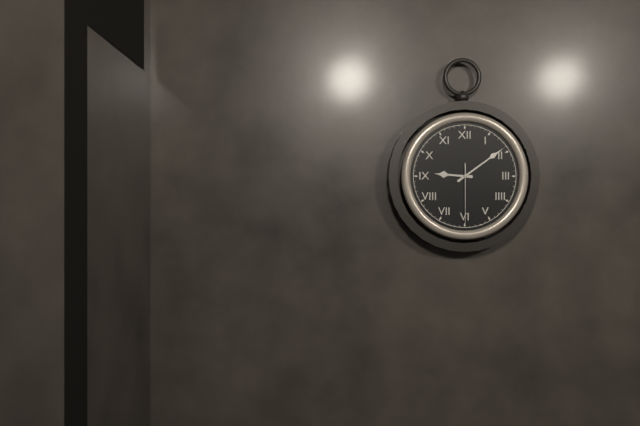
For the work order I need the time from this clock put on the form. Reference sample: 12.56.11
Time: 9.09.30
